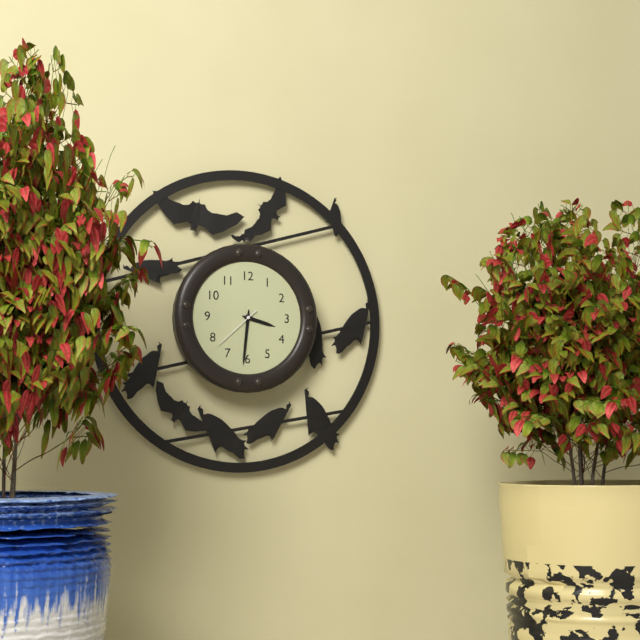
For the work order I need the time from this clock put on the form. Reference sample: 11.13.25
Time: 3.31.38
